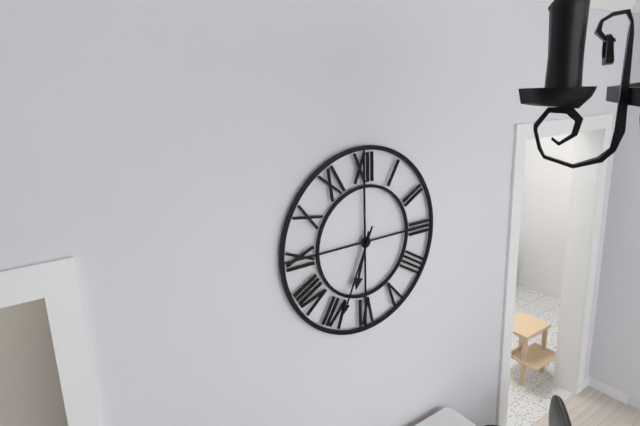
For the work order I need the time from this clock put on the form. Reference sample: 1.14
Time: 6.34
